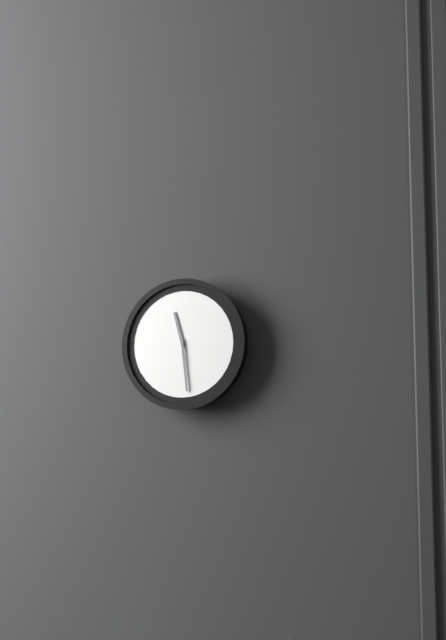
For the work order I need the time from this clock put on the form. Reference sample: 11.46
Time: 11.29
